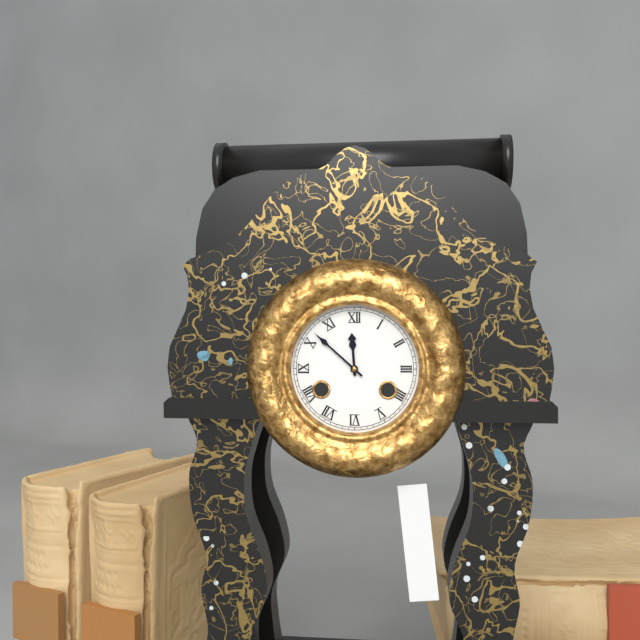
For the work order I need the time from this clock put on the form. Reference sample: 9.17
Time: 11.52
